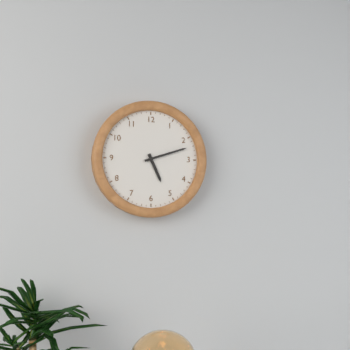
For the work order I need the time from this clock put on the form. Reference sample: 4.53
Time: 5.12
